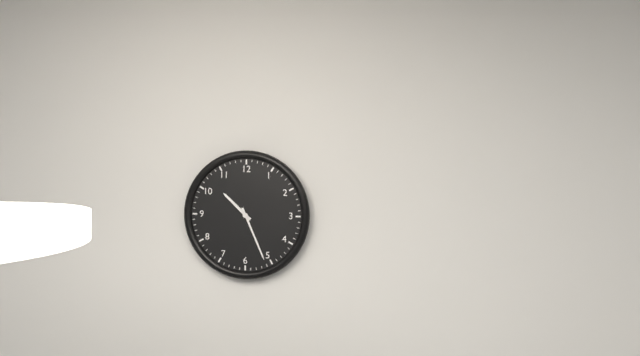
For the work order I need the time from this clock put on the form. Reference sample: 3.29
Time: 10.26
